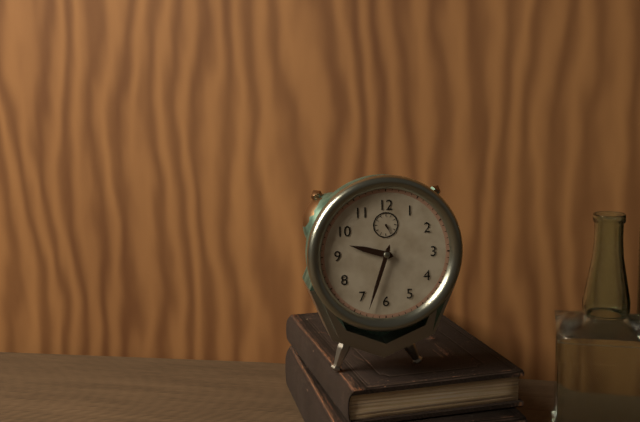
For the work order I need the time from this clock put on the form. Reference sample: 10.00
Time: 9.33
